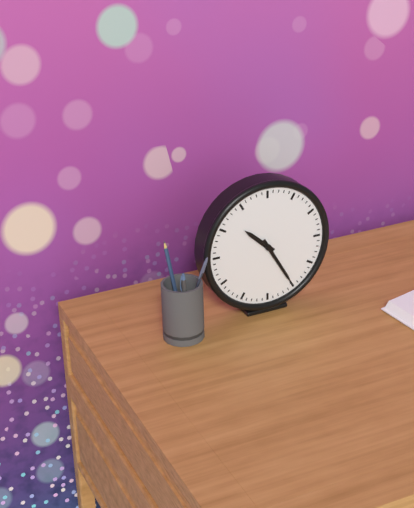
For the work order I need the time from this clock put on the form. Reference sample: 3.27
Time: 10.25
